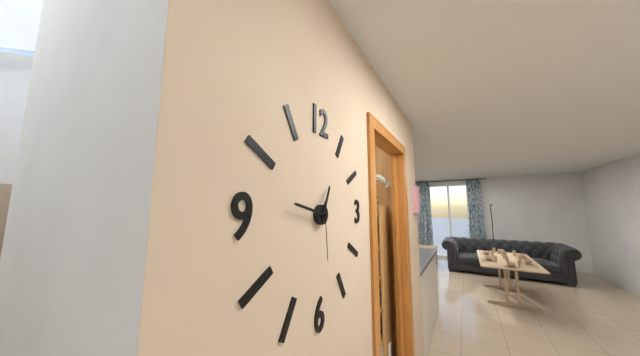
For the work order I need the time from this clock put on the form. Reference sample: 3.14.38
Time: 12.47.29
